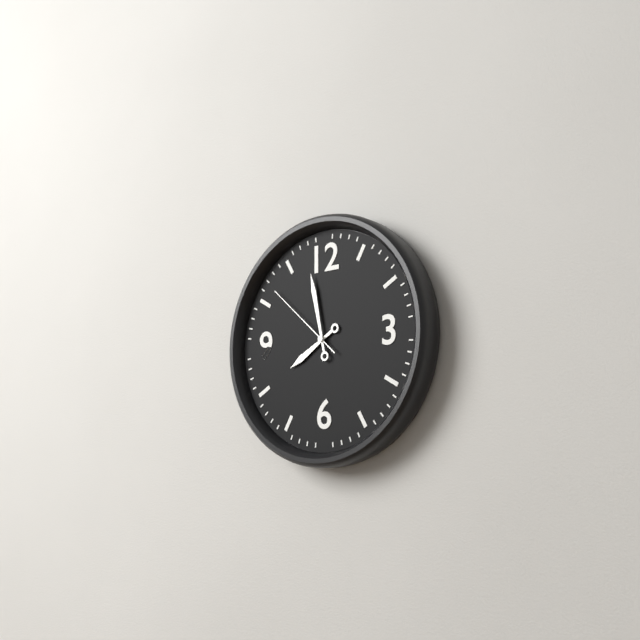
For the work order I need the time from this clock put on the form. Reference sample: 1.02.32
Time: 7.58.52
